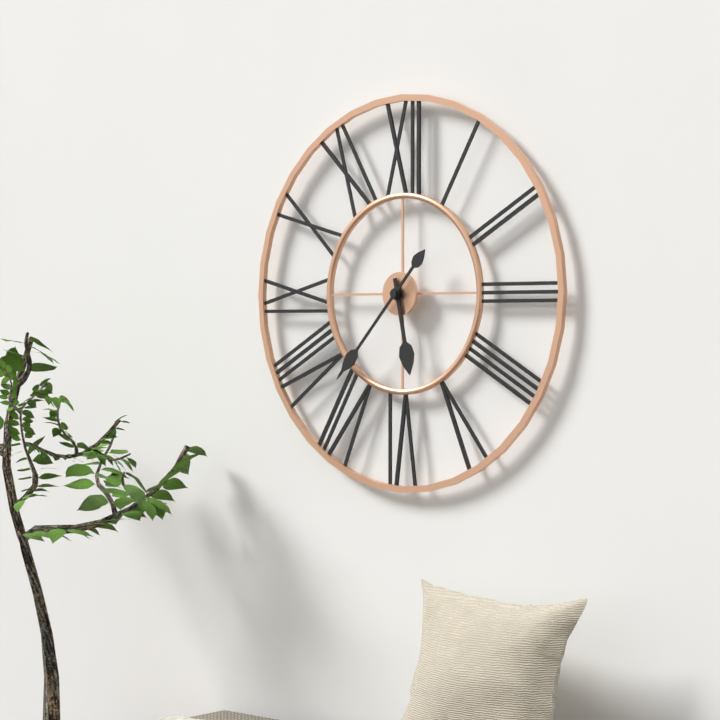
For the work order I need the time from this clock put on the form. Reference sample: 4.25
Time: 5.37
